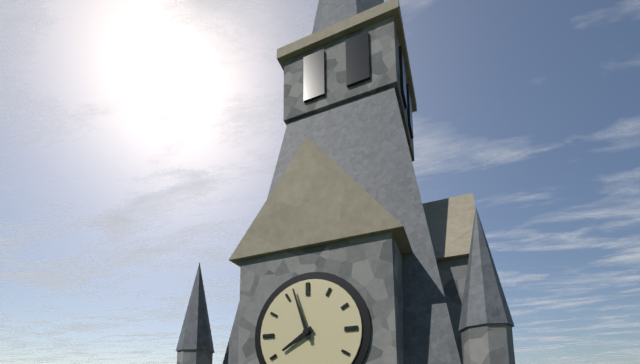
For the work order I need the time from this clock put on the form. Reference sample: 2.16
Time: 7.57
